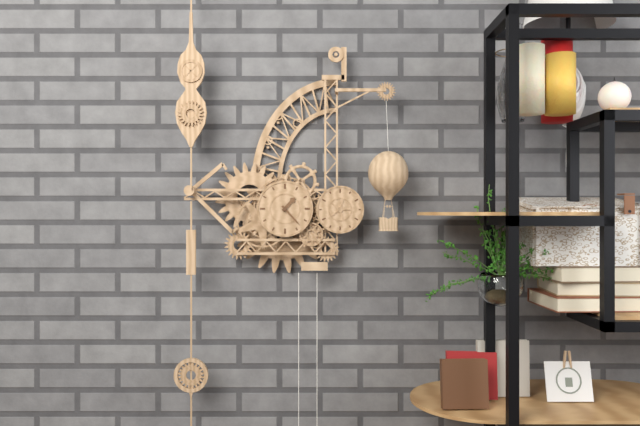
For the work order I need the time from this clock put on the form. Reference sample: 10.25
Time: 1.23
